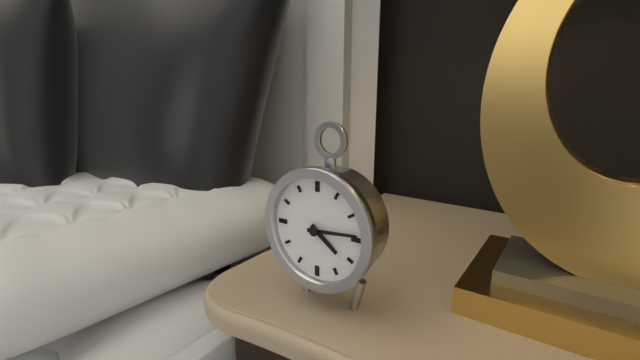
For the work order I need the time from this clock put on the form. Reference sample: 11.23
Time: 4.14
